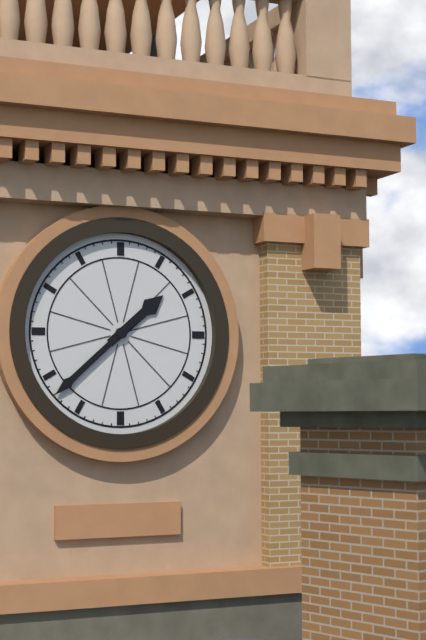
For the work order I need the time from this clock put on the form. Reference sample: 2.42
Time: 1.38
